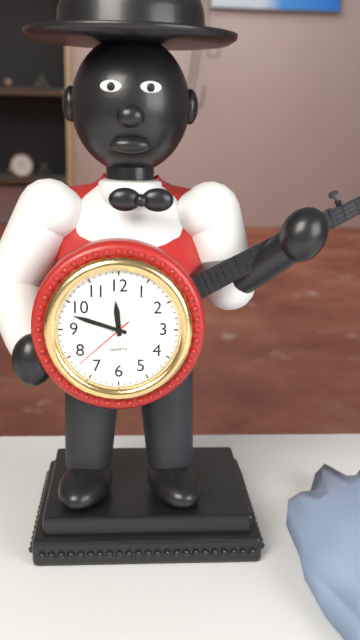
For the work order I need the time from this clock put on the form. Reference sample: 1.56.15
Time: 11.48.38
